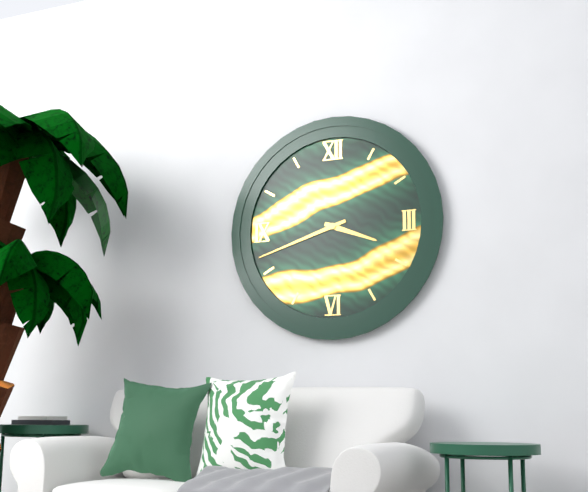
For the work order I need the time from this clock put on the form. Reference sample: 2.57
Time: 3.42
